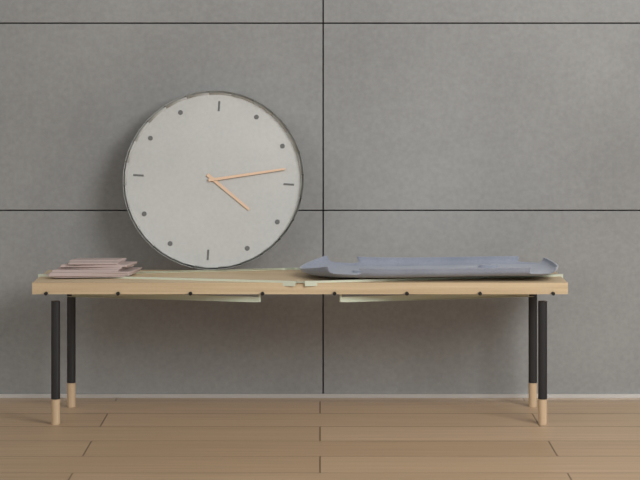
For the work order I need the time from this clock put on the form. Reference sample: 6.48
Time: 4.13
